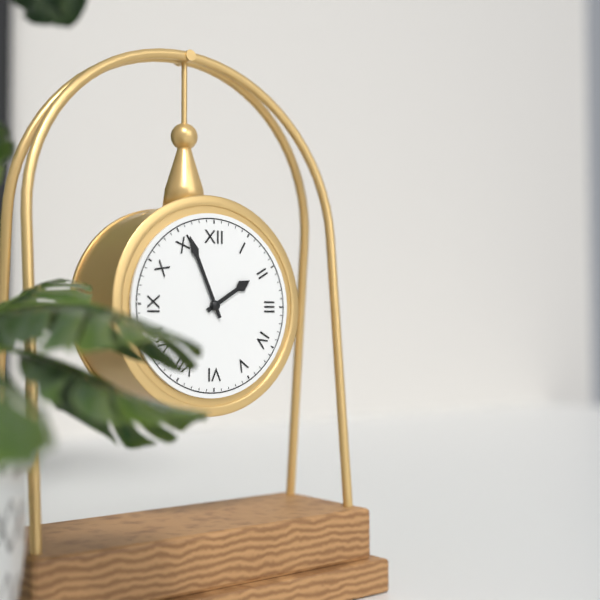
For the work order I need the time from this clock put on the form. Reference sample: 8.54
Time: 1.56
